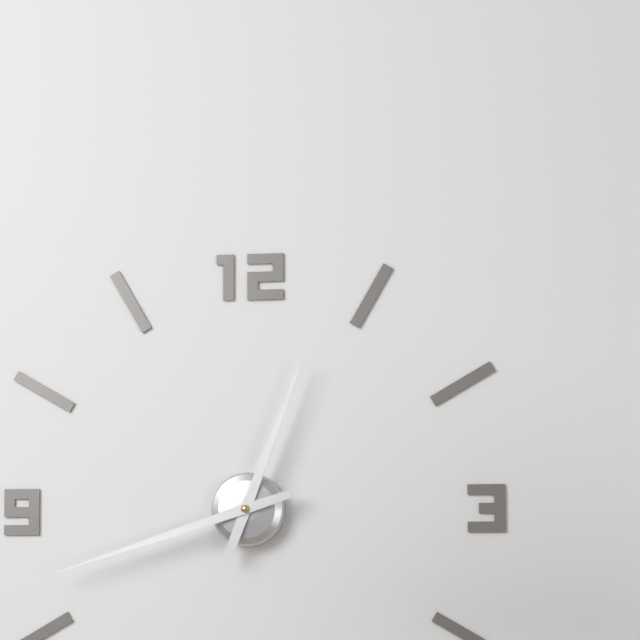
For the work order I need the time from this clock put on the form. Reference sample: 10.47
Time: 12.42
